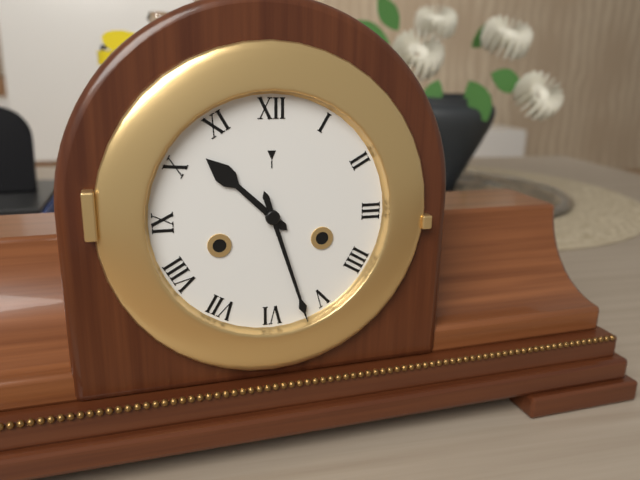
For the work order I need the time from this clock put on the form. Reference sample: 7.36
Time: 10.27
